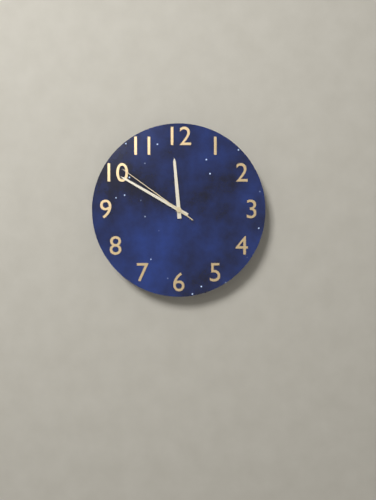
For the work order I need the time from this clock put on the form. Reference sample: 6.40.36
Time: 11.50.51
